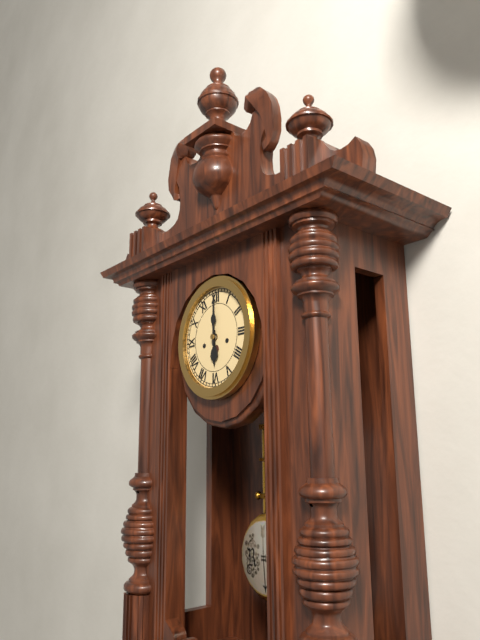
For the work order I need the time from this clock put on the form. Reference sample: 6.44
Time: 6.00
